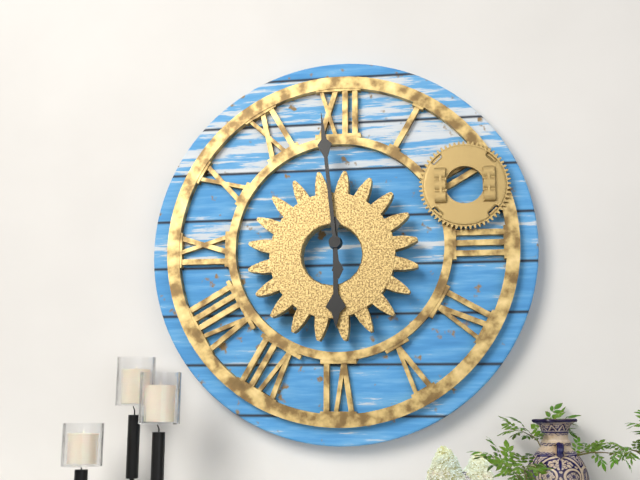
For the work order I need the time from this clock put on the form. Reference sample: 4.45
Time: 5.59
